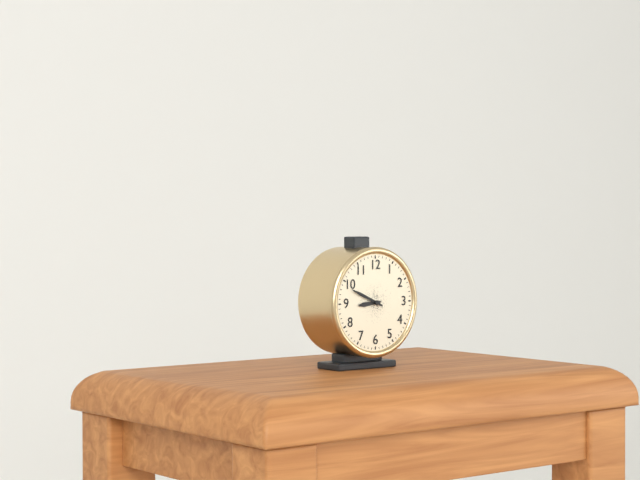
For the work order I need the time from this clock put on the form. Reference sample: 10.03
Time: 8.49
